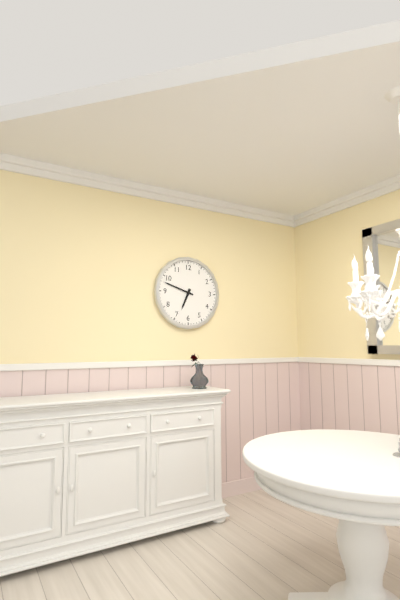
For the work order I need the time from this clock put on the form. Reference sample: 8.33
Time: 6.48
